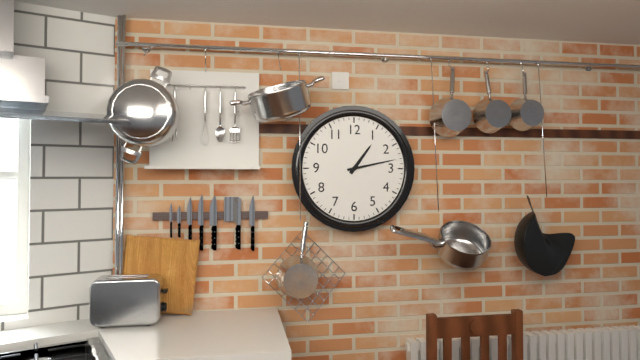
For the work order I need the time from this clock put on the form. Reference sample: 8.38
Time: 1.13
